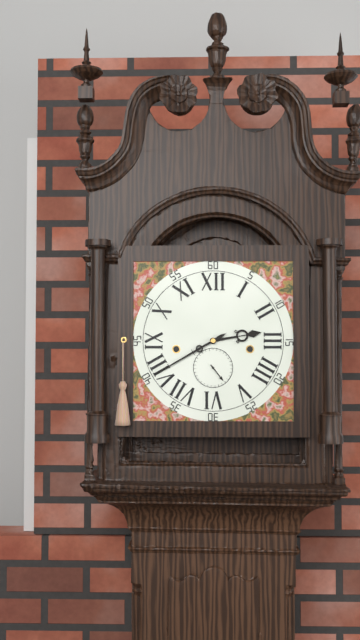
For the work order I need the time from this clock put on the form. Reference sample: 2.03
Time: 2.40
